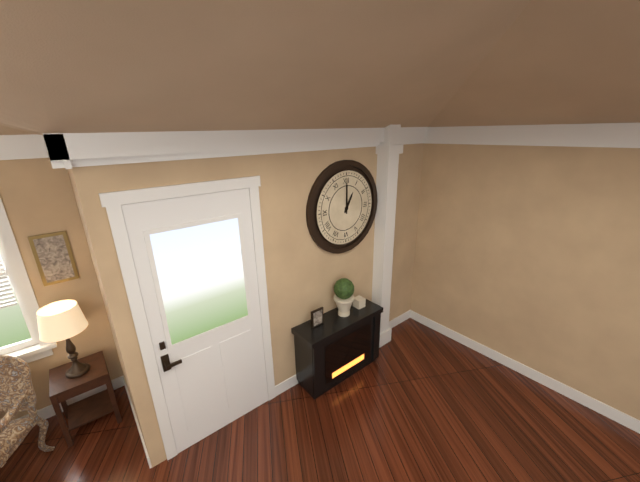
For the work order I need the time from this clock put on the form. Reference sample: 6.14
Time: 1.00
